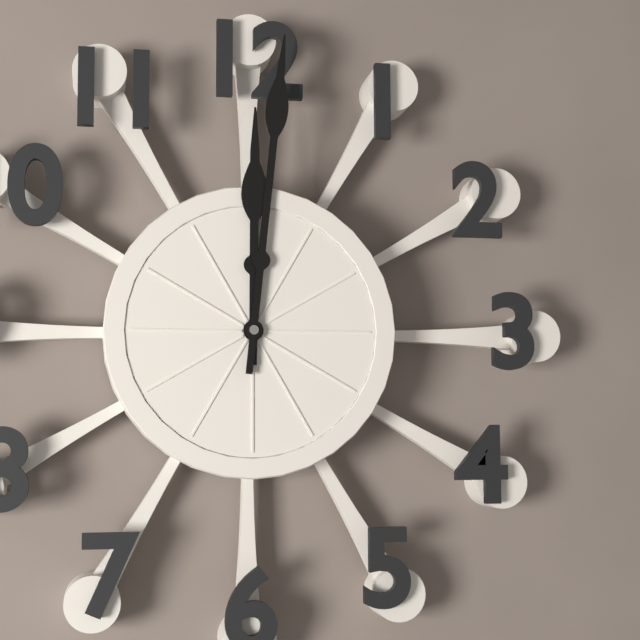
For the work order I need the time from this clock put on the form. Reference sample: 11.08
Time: 12.01
